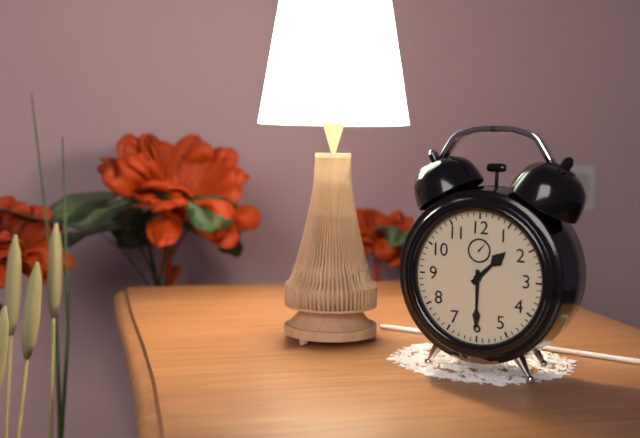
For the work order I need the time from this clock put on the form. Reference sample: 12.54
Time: 1.30
